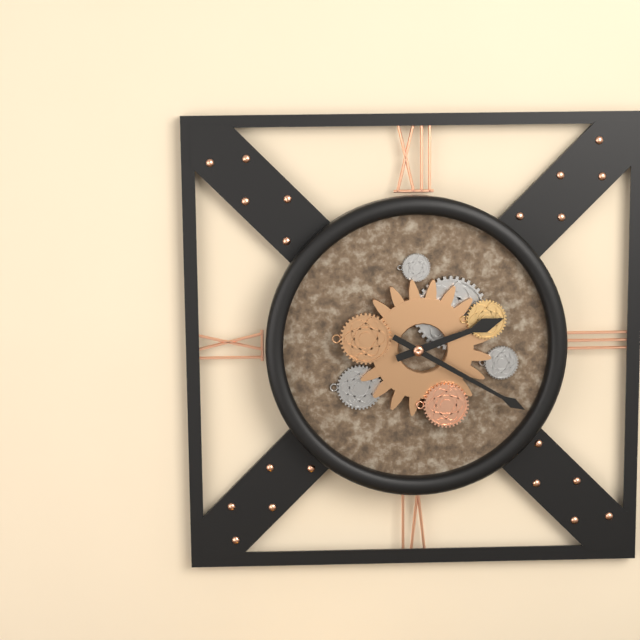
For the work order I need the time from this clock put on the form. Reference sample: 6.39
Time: 2.20
